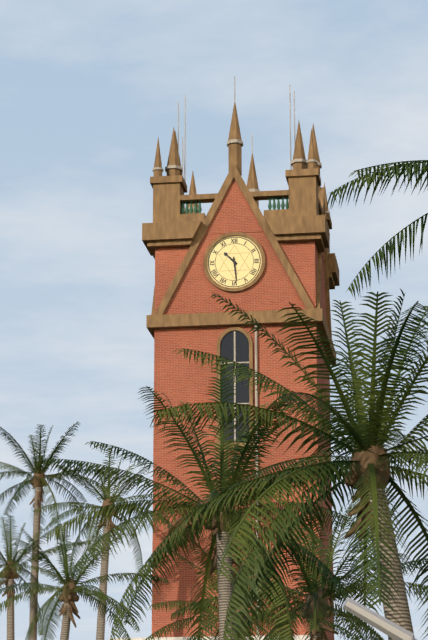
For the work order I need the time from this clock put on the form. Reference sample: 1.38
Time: 10.29
